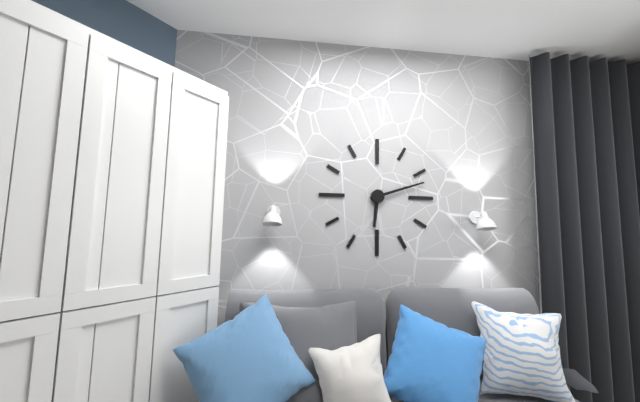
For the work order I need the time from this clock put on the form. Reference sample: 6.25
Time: 6.12
